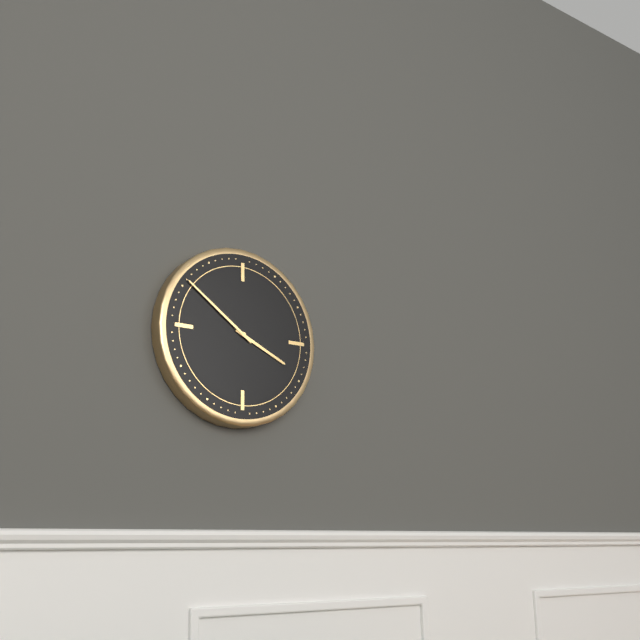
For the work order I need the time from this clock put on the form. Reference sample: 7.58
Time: 3.51
